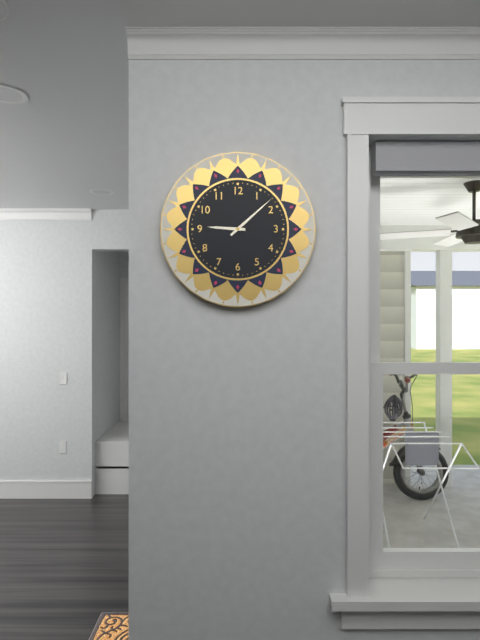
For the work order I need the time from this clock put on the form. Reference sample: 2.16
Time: 9.08
